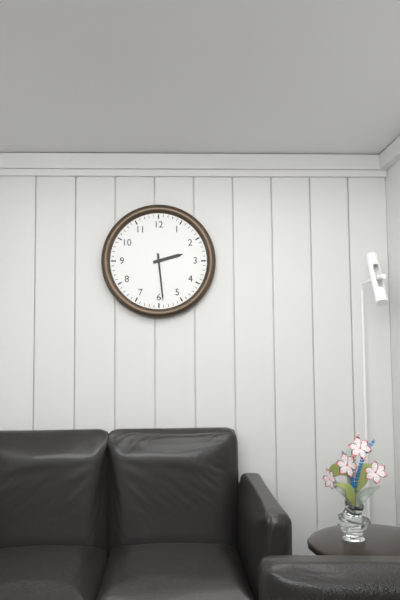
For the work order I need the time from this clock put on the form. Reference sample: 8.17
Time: 2.29
